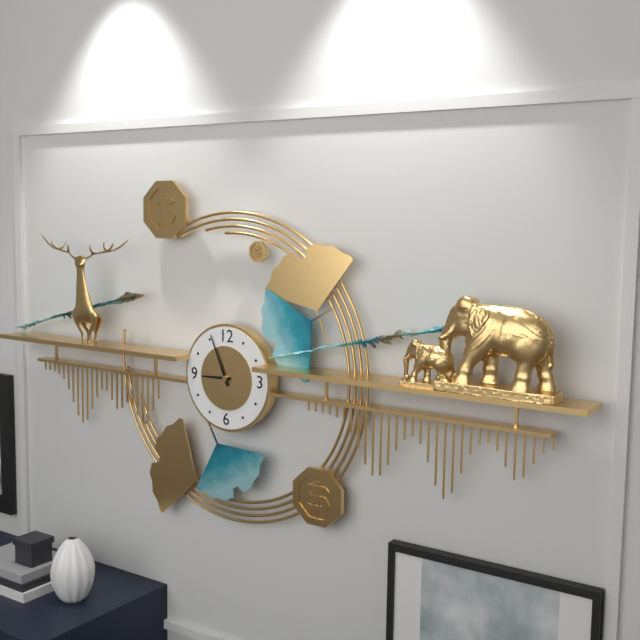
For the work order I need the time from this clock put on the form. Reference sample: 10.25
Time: 8.56
